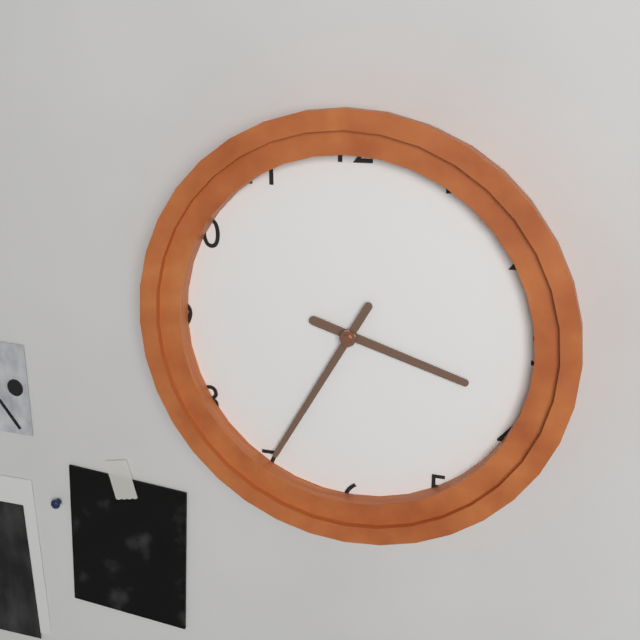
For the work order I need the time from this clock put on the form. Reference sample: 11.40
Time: 3.35
